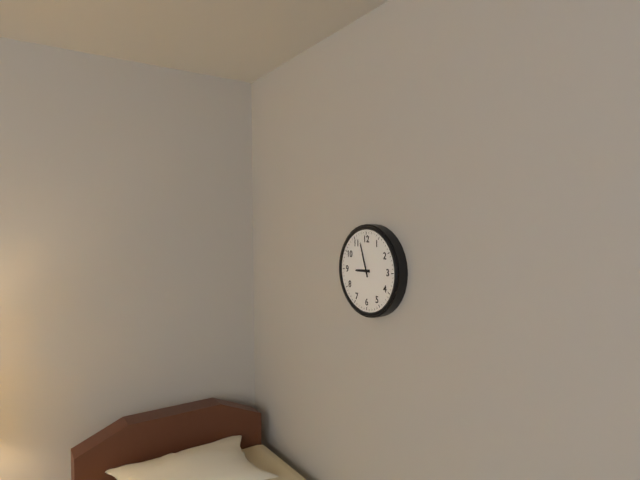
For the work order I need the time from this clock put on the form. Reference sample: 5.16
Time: 8.57
